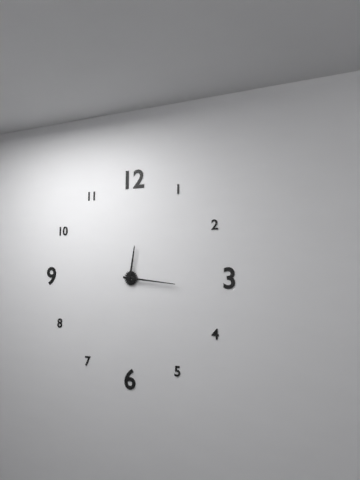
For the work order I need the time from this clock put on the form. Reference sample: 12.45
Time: 12.16
